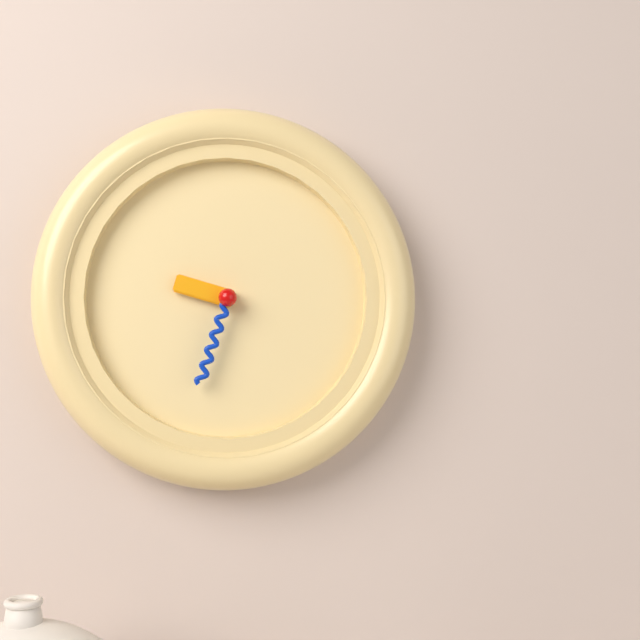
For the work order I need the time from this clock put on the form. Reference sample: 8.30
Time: 9.33
